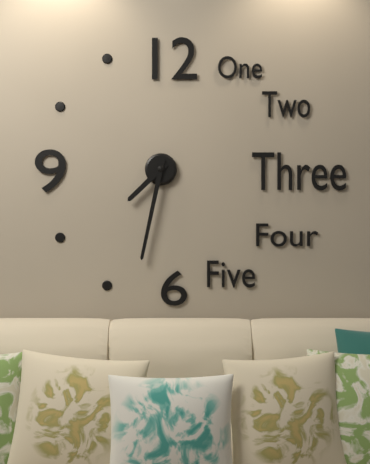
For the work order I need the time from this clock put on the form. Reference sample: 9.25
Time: 7.32
